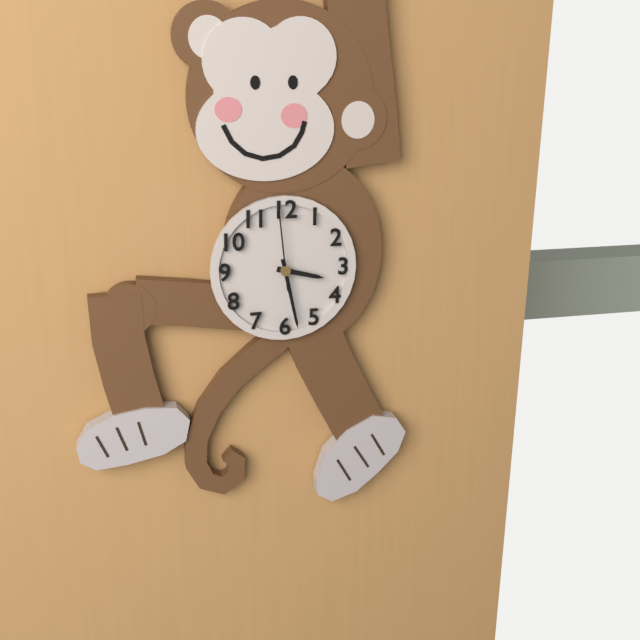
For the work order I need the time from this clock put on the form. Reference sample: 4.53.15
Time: 3.28.59
